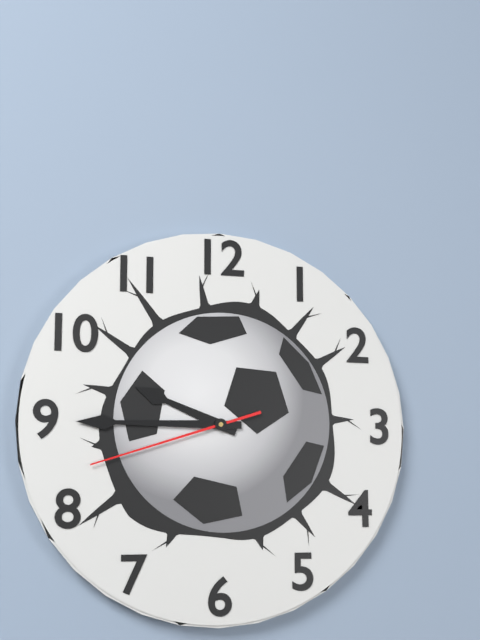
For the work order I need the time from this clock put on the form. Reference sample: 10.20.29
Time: 9.45.42
